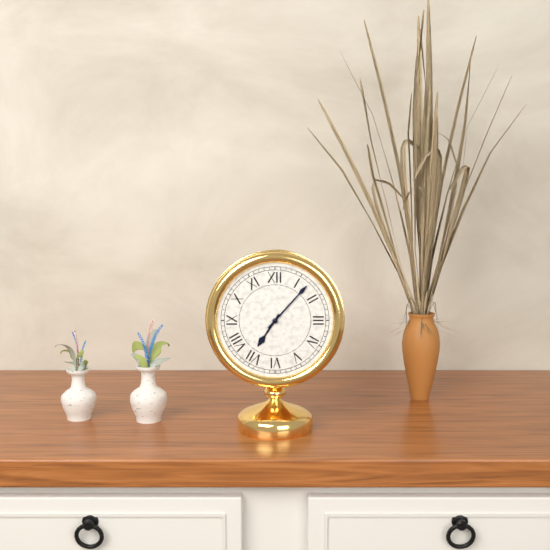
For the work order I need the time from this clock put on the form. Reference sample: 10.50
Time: 7.07
